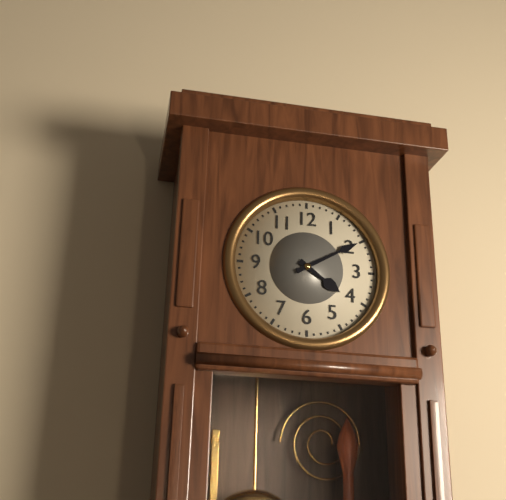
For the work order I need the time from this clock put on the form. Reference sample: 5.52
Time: 4.10
